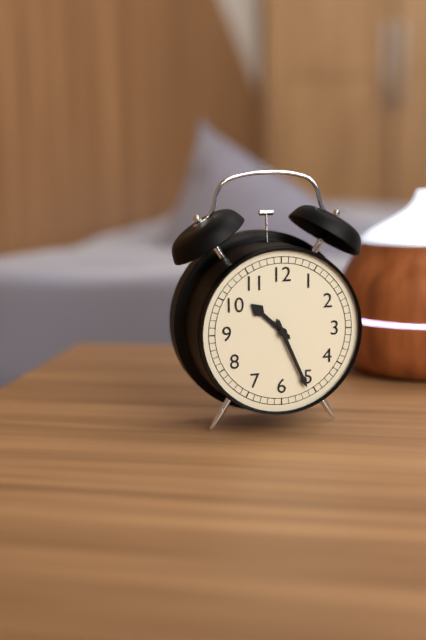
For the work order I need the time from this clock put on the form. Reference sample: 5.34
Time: 10.26
